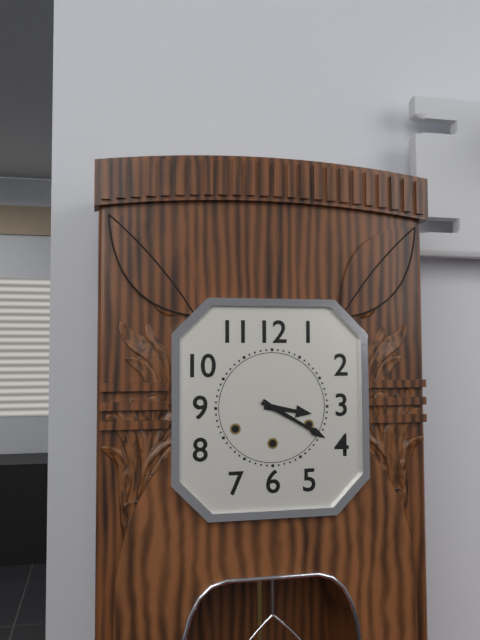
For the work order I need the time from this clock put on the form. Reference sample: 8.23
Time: 3.20
